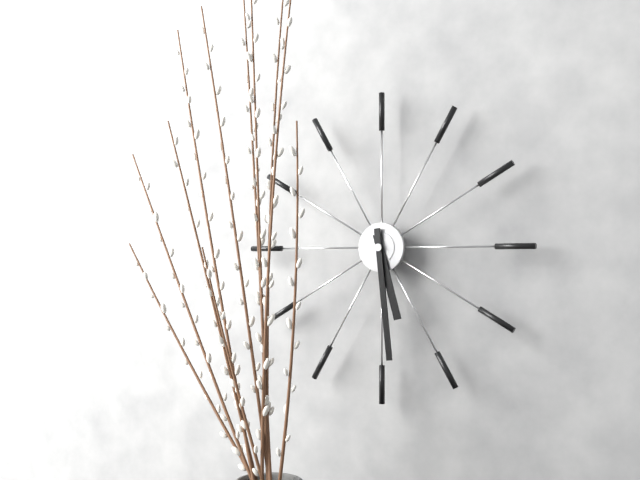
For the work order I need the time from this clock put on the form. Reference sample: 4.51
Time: 5.29
